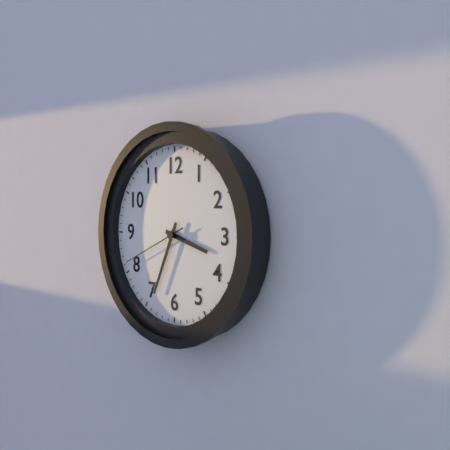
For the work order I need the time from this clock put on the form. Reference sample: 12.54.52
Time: 3.34.41
